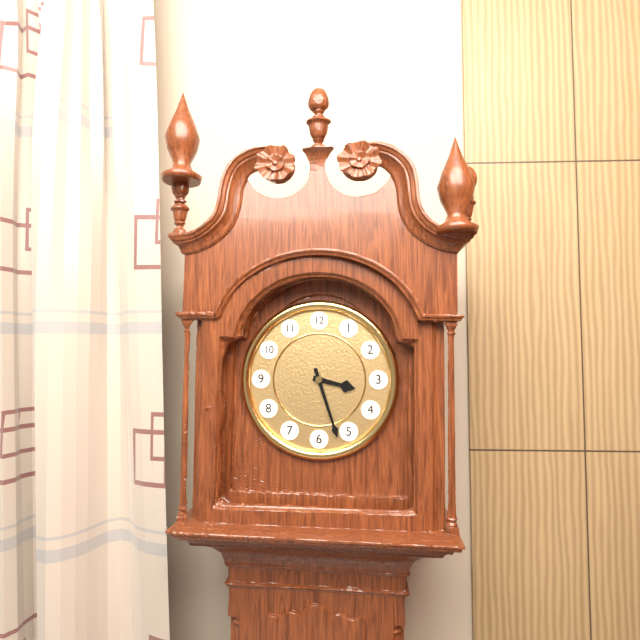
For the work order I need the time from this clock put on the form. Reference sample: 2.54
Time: 3.27
